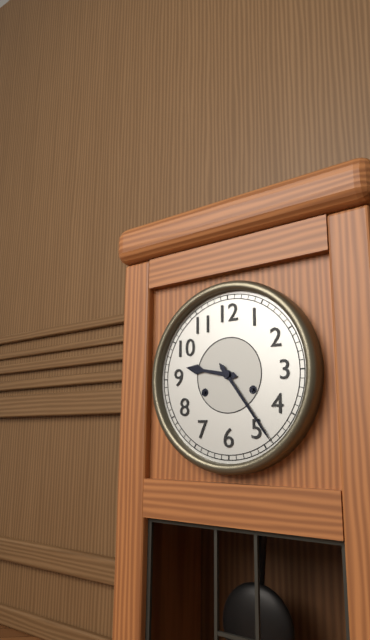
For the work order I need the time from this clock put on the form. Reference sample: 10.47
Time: 9.24
